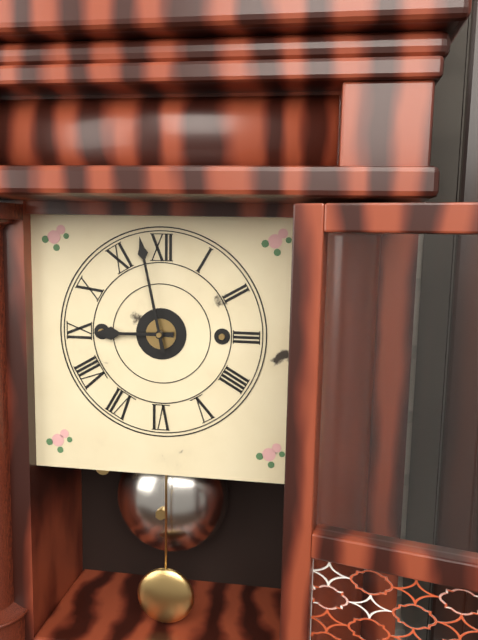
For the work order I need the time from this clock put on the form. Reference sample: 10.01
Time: 8.58
